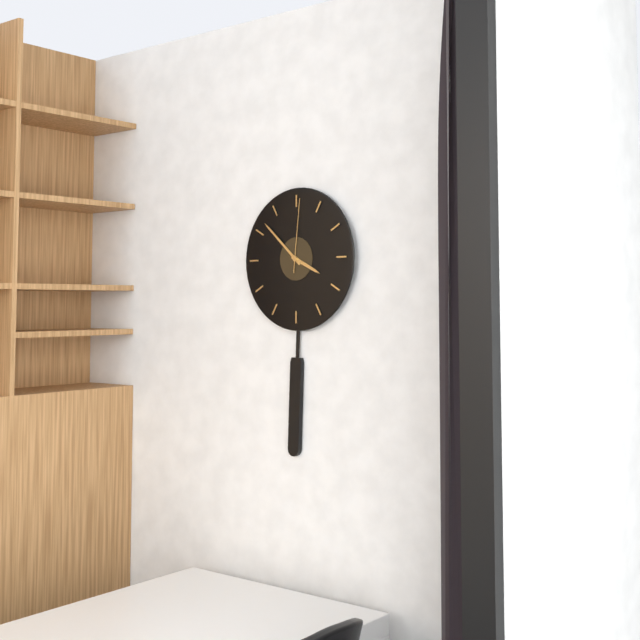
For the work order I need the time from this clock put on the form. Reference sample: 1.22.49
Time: 3.52.01
